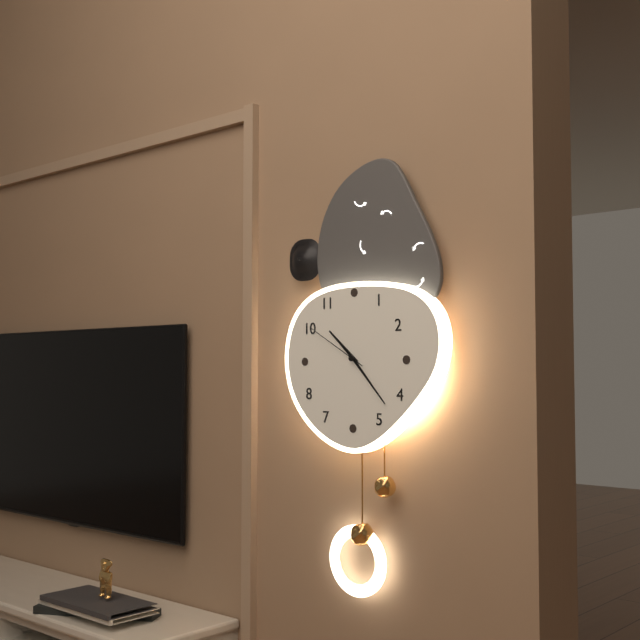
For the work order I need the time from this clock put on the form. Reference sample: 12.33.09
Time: 10.23.50
